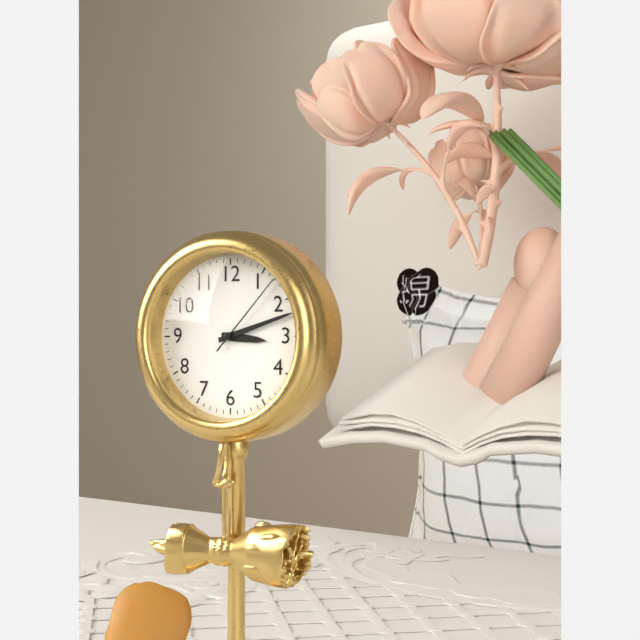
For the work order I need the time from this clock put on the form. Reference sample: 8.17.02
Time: 3.12.07
